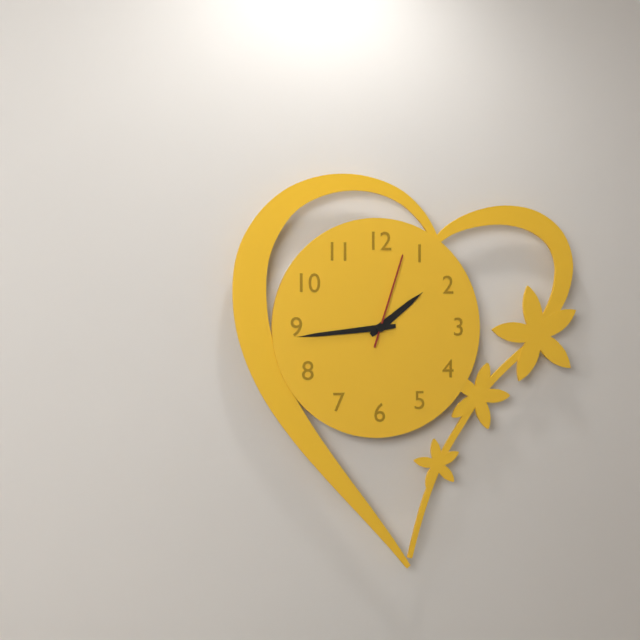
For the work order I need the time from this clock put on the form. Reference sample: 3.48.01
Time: 1.44.03
